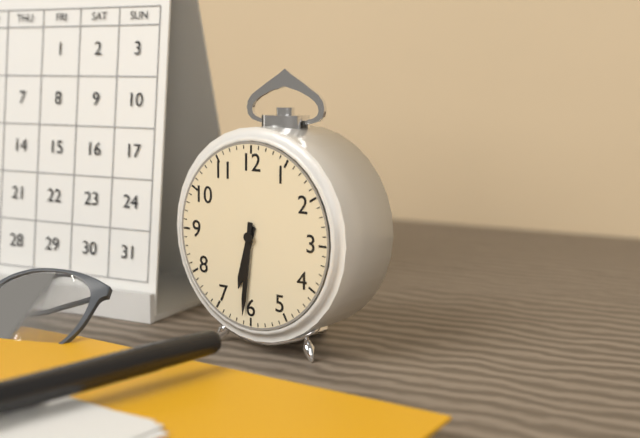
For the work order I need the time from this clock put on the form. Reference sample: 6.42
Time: 6.31
